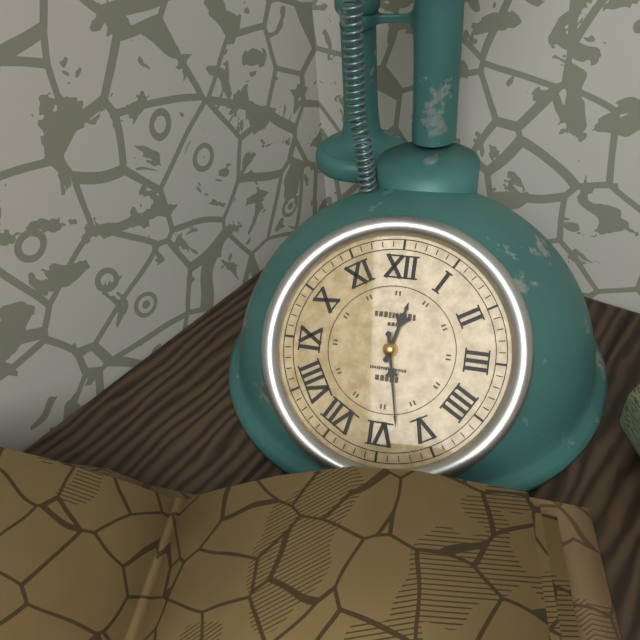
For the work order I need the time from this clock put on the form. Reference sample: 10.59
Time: 12.28
